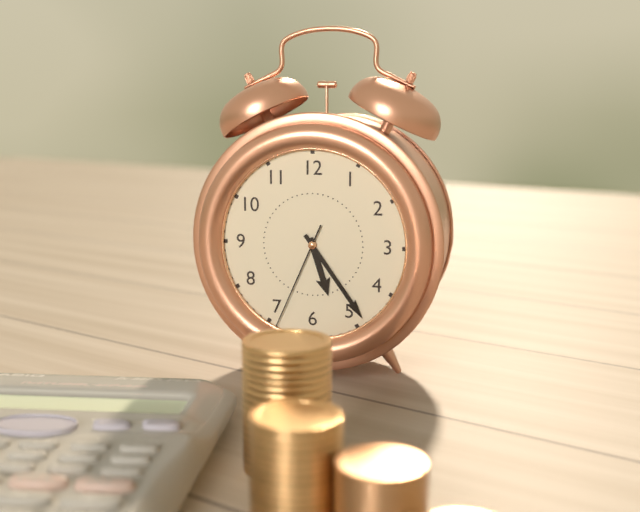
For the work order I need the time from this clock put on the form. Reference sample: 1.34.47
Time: 5.24.34
